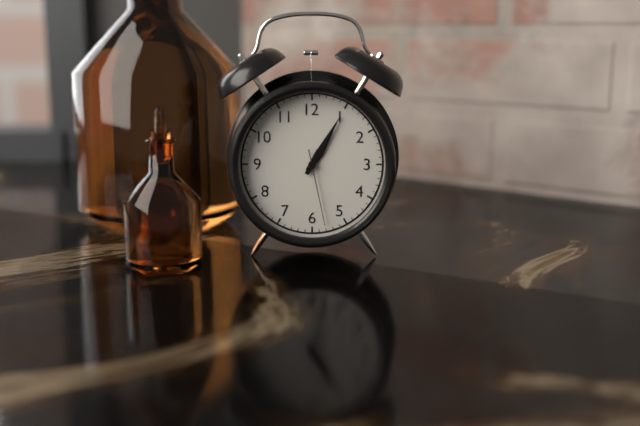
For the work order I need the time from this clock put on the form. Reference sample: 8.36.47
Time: 1.05.28
